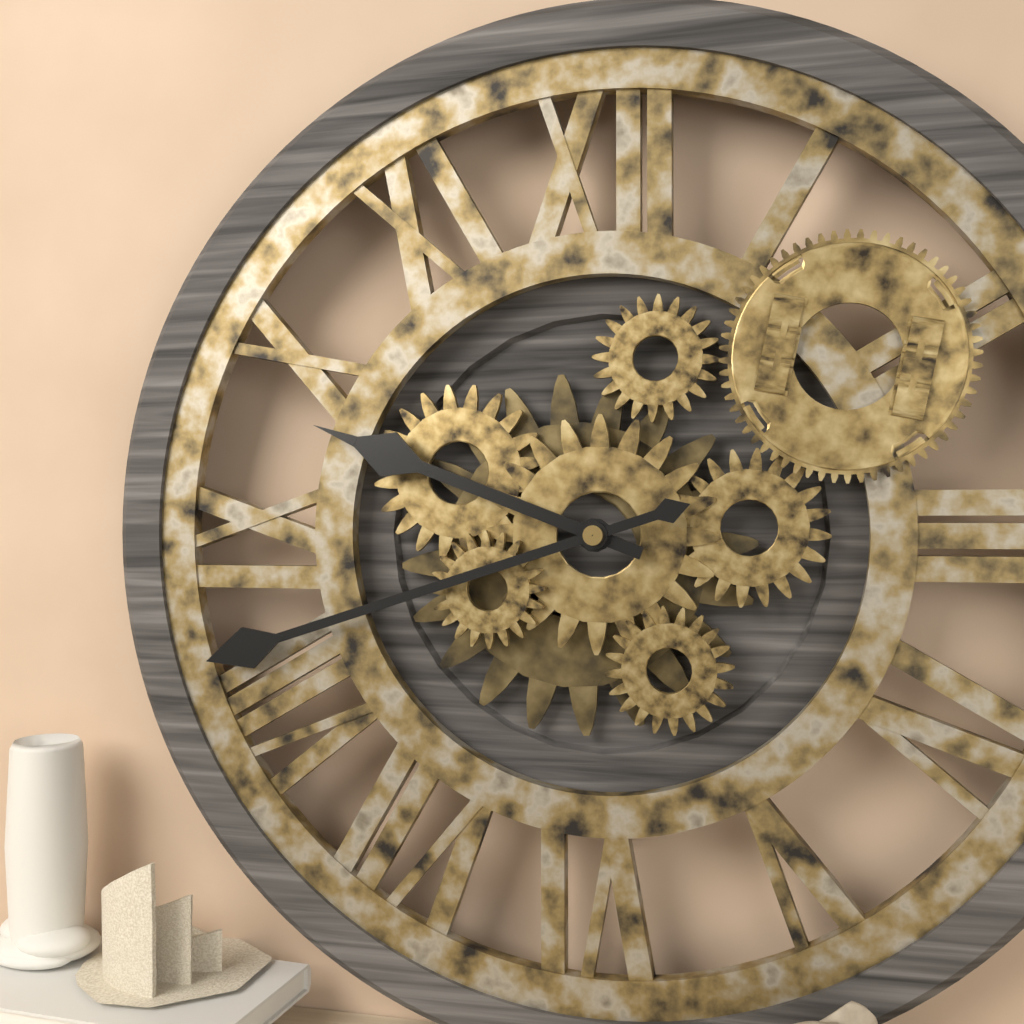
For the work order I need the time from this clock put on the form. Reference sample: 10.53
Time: 9.42
